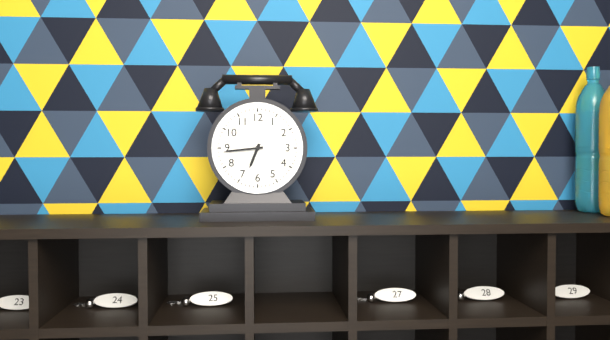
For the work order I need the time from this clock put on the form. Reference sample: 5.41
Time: 6.44
